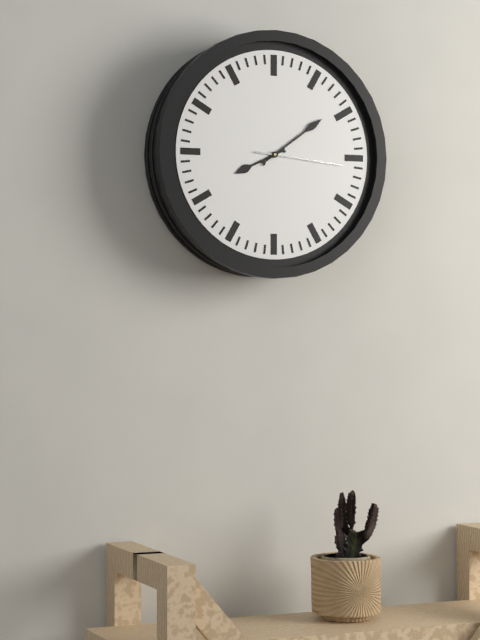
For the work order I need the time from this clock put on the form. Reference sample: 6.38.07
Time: 8.09.16
